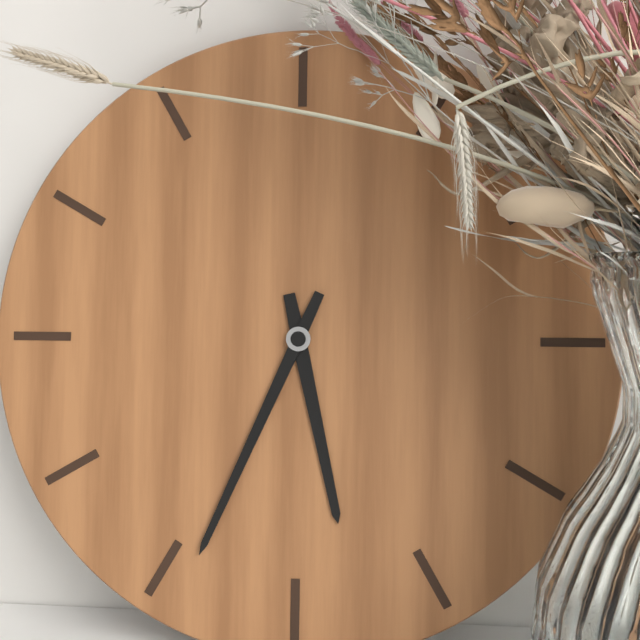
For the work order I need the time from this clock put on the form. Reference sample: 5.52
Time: 5.34
